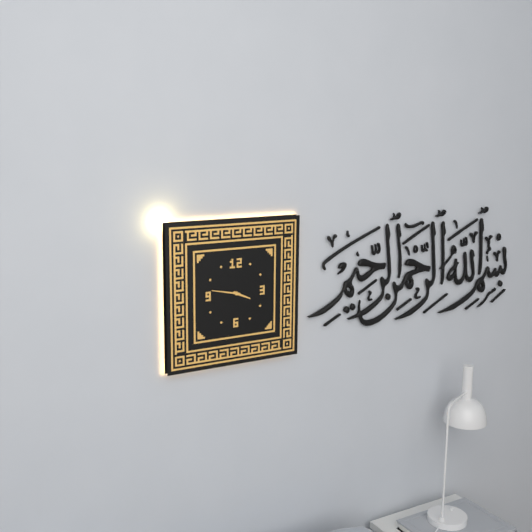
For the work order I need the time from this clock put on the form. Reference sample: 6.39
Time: 3.47
